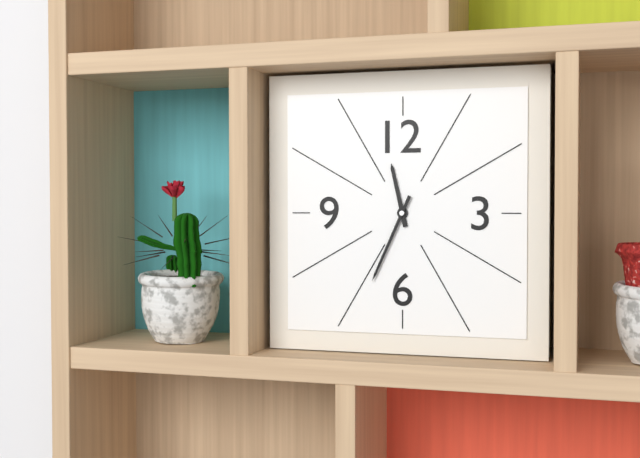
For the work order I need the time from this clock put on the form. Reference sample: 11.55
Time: 11.34
